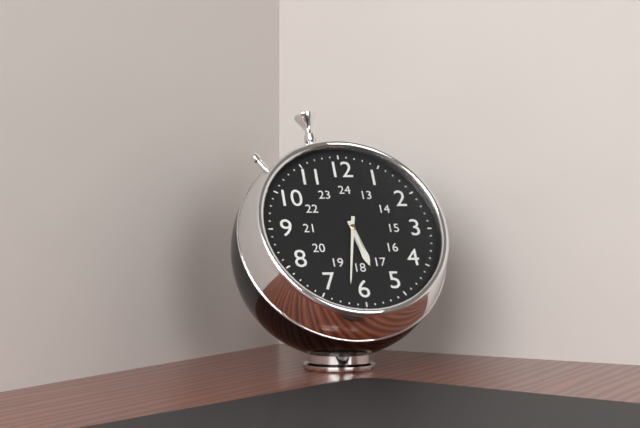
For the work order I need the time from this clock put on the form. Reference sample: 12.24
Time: 5.32
